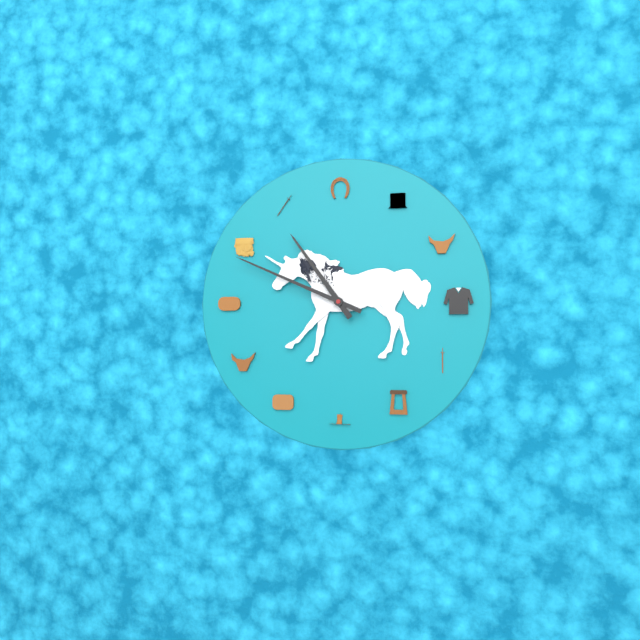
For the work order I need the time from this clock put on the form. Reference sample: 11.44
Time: 10.49
